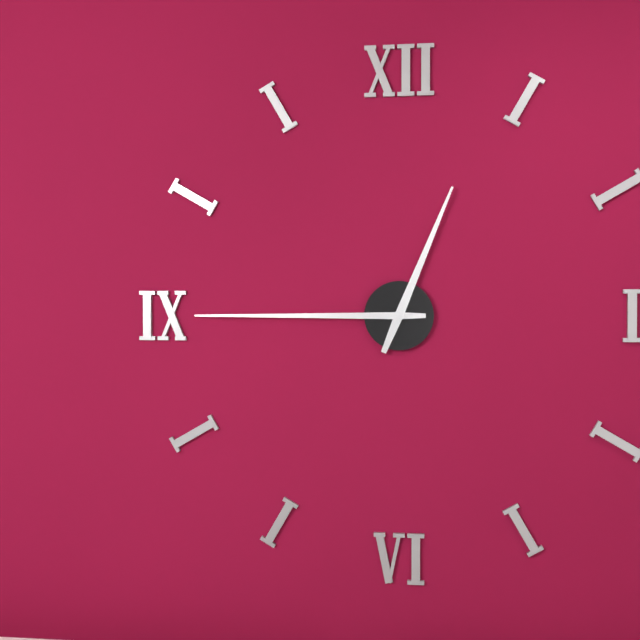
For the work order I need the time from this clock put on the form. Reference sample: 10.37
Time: 12.45
